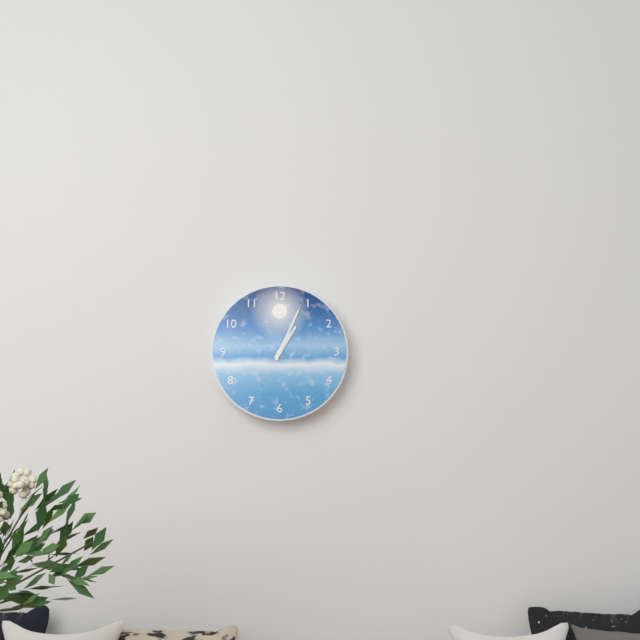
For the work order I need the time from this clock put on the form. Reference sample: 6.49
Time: 1.04
